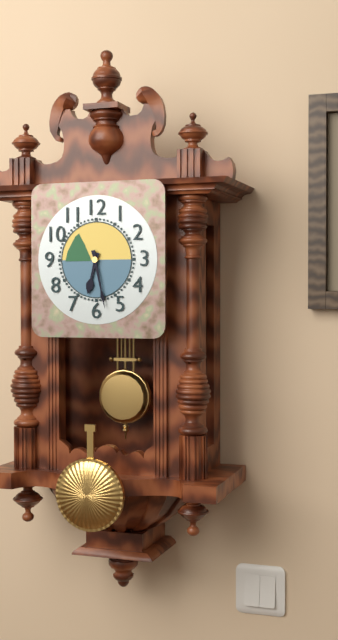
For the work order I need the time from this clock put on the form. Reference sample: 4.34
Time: 6.28
